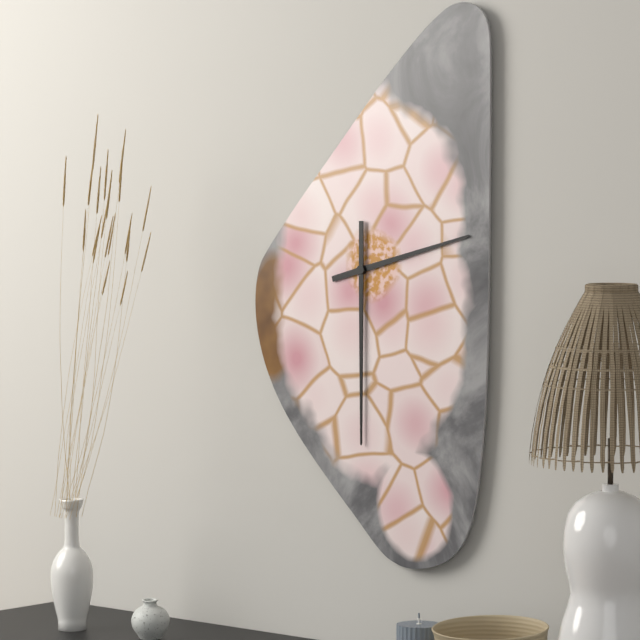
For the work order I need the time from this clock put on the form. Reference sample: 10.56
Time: 2.30
